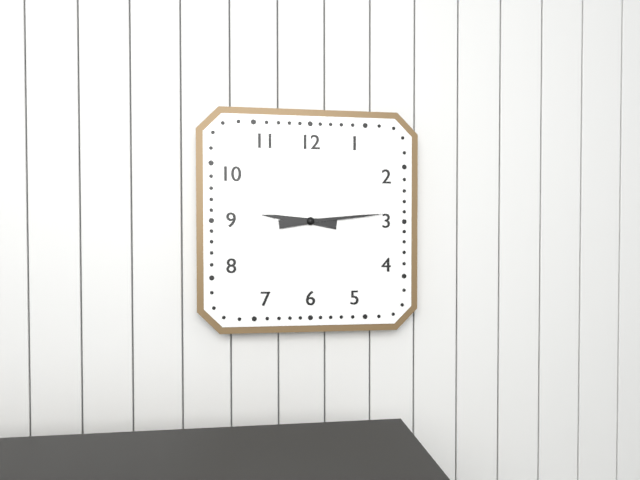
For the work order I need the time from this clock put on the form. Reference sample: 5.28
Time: 9.14
